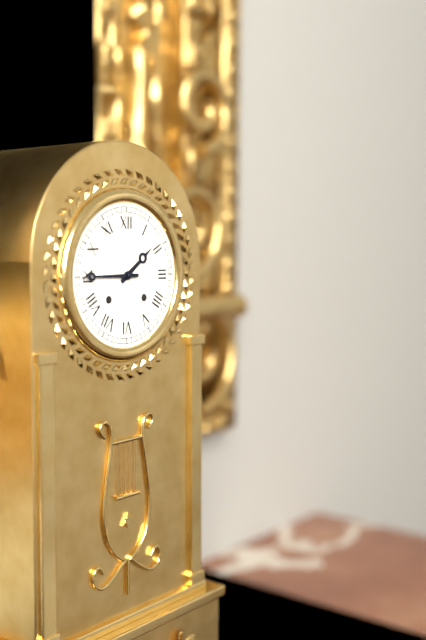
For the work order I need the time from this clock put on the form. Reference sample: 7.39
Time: 1.45
